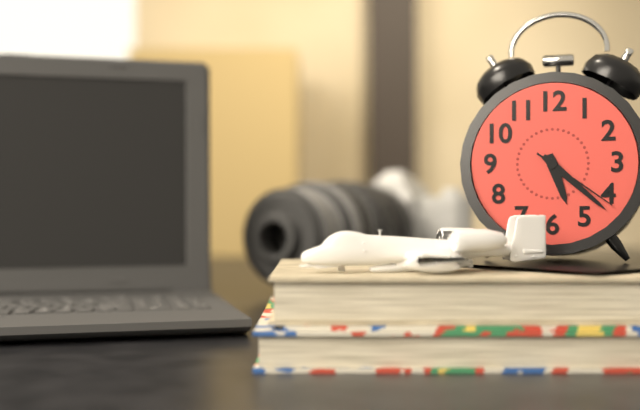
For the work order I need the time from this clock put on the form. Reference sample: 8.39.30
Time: 5.22.21
